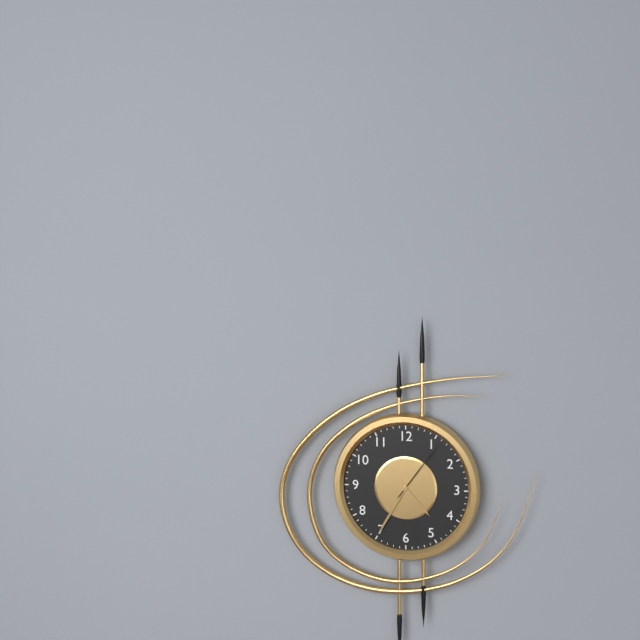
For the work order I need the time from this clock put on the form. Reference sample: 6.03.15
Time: 4.35.06
